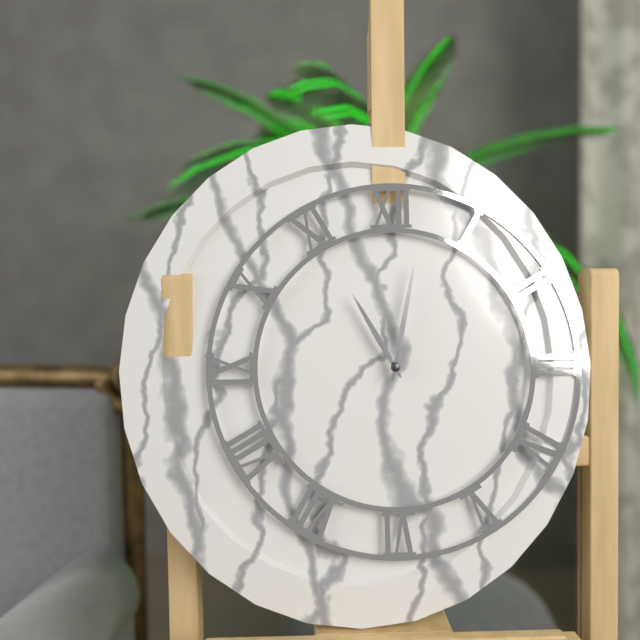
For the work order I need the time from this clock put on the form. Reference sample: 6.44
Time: 11.02
